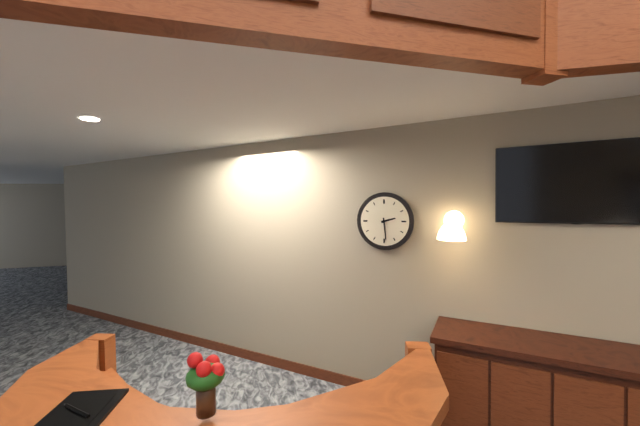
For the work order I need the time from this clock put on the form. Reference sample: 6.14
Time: 2.29
